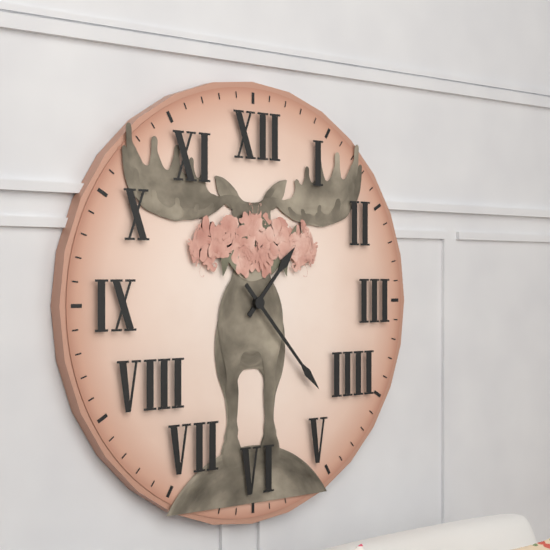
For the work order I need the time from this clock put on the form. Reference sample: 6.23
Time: 1.23
